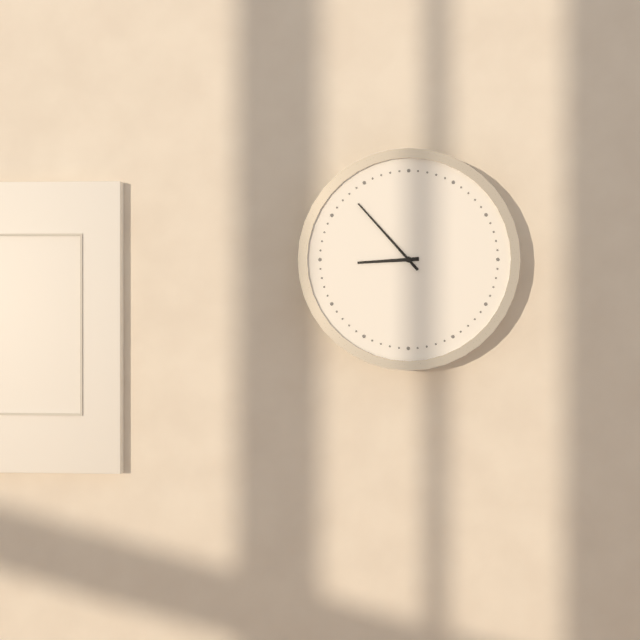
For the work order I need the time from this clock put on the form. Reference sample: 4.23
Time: 8.53
